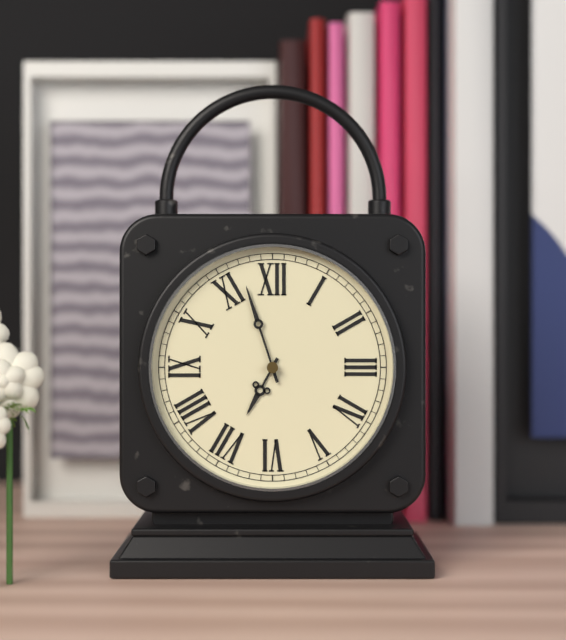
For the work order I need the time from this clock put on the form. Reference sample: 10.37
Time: 6.57
